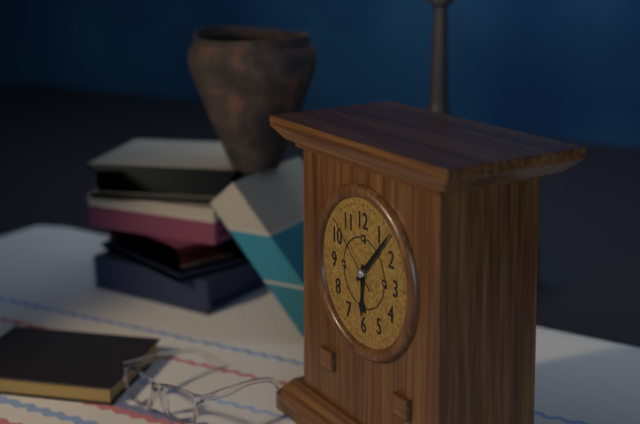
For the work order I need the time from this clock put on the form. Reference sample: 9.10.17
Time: 6.07.52
